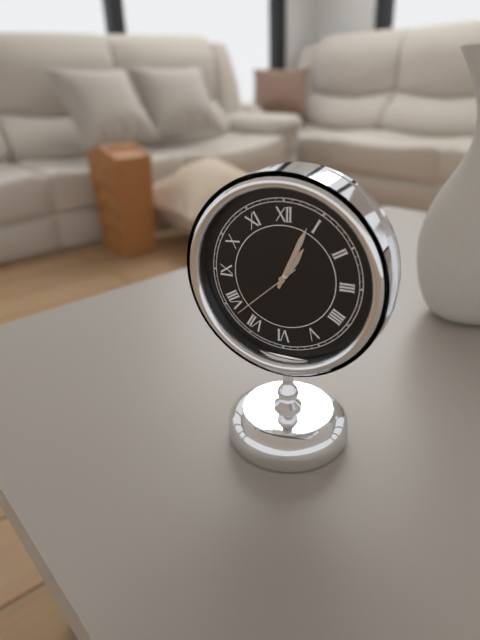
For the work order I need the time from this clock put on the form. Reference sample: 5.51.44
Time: 1.04.38
